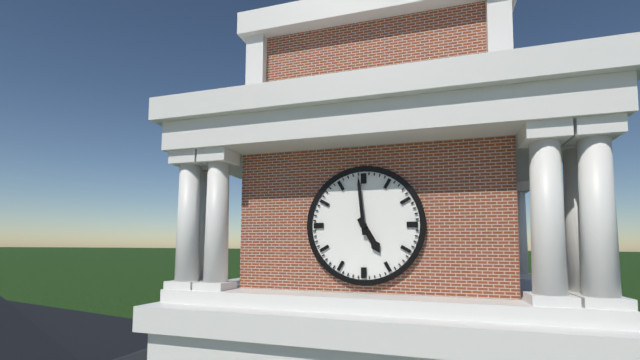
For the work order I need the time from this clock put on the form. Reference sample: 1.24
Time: 4.59
